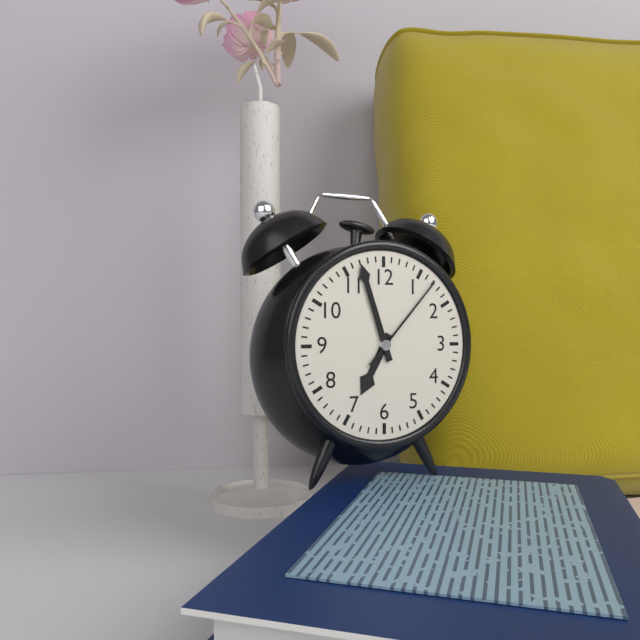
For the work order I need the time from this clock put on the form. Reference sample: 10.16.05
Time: 6.57.07
